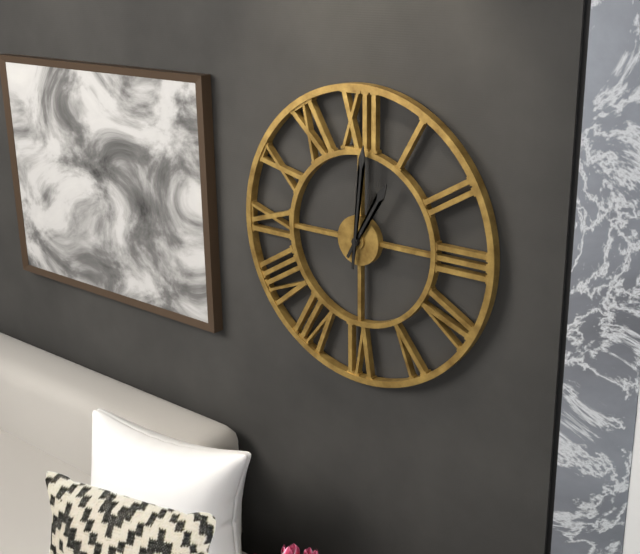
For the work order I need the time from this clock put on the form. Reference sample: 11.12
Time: 1.01
